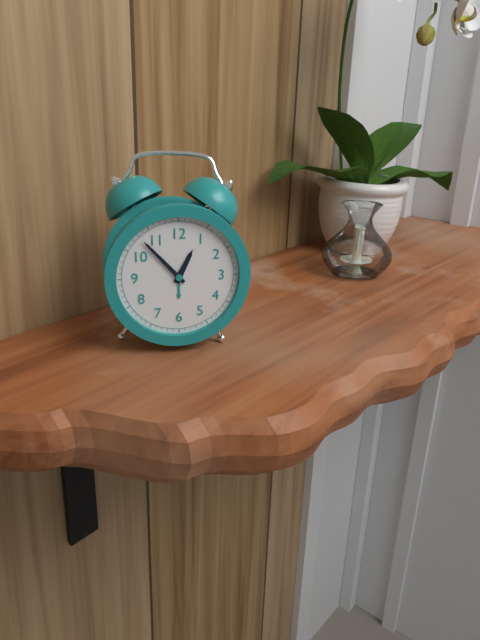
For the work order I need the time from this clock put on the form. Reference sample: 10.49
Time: 12.53
